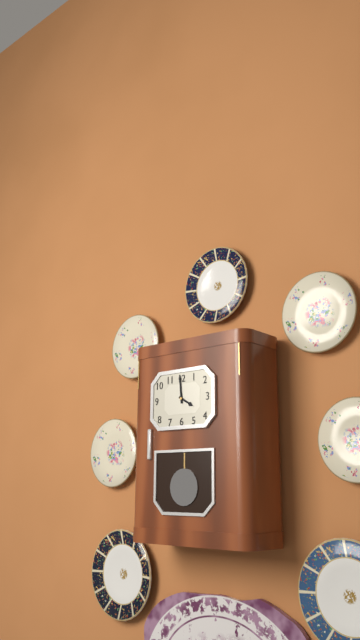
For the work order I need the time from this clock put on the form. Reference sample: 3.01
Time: 3.59
